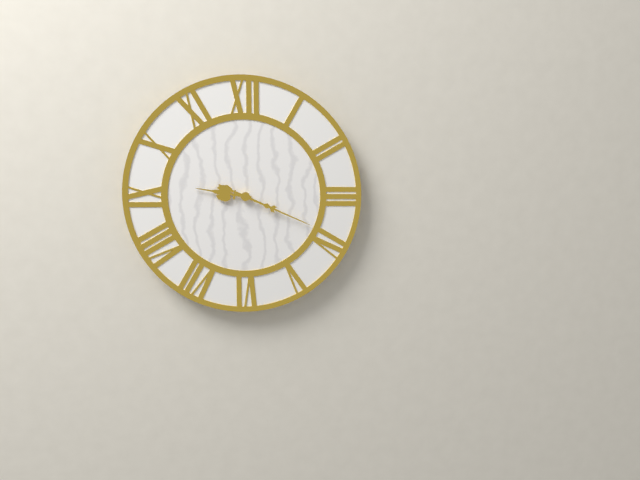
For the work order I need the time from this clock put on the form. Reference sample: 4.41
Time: 9.19
